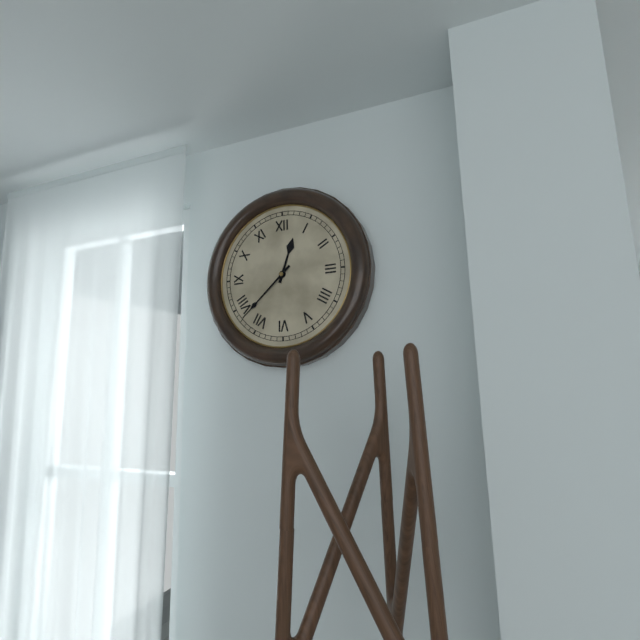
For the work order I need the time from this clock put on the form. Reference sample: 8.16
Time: 12.38
